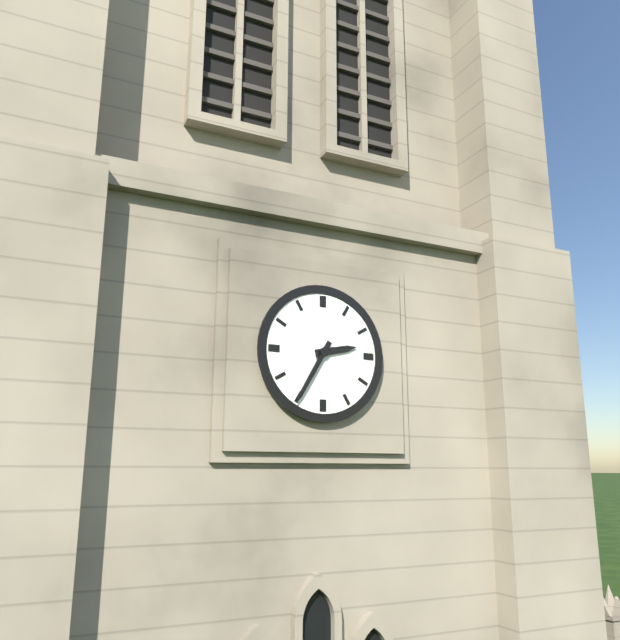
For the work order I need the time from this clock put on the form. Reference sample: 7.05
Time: 2.35
